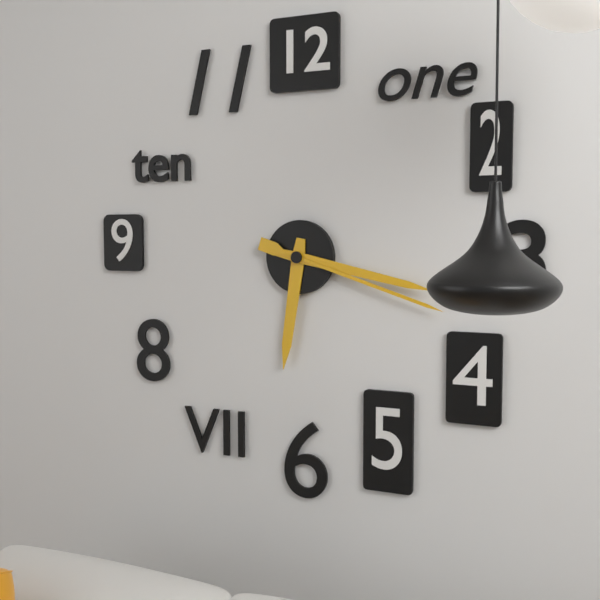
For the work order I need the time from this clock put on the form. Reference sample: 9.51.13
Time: 6.17.18
